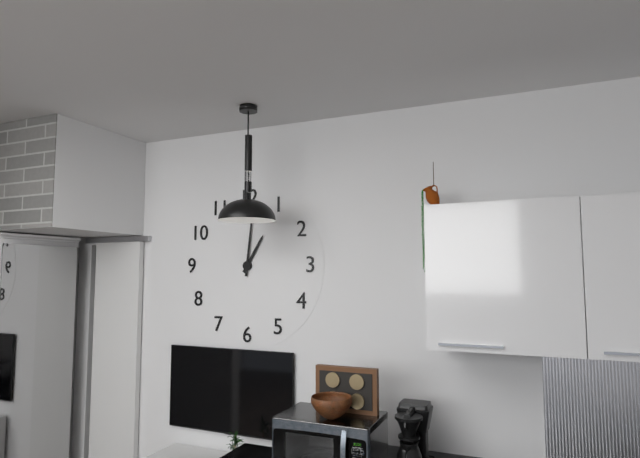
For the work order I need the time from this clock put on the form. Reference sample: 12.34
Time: 1.01
